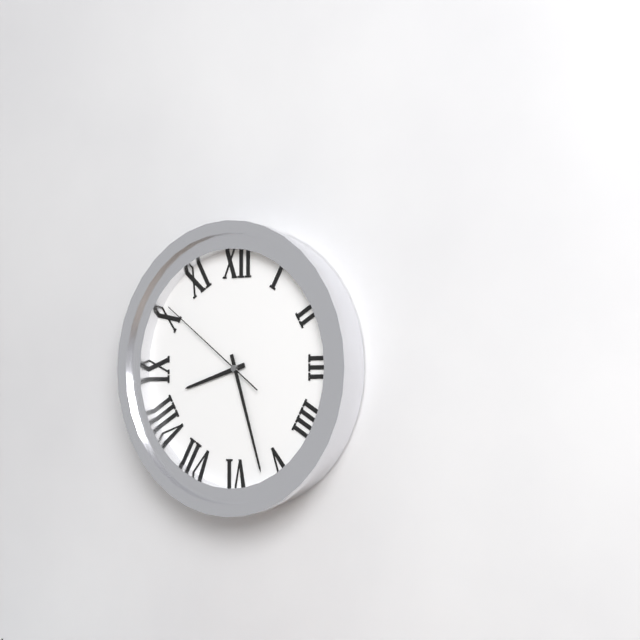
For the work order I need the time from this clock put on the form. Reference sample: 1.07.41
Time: 8.27.51
